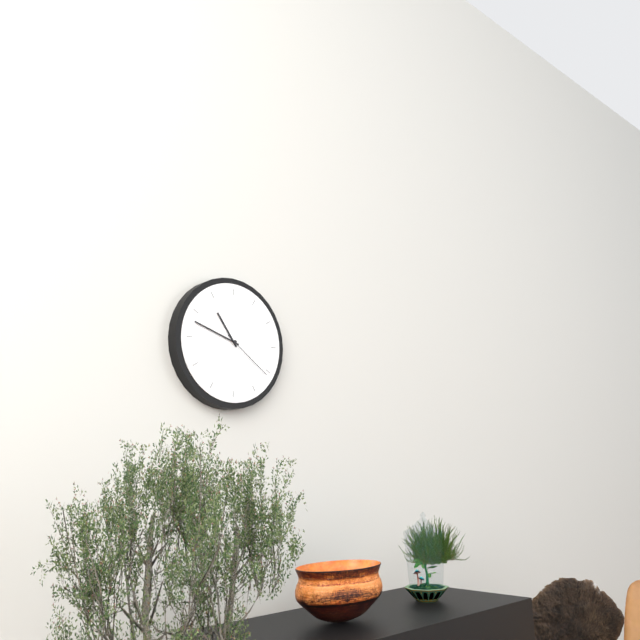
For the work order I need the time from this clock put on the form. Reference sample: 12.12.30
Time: 10.48.21
